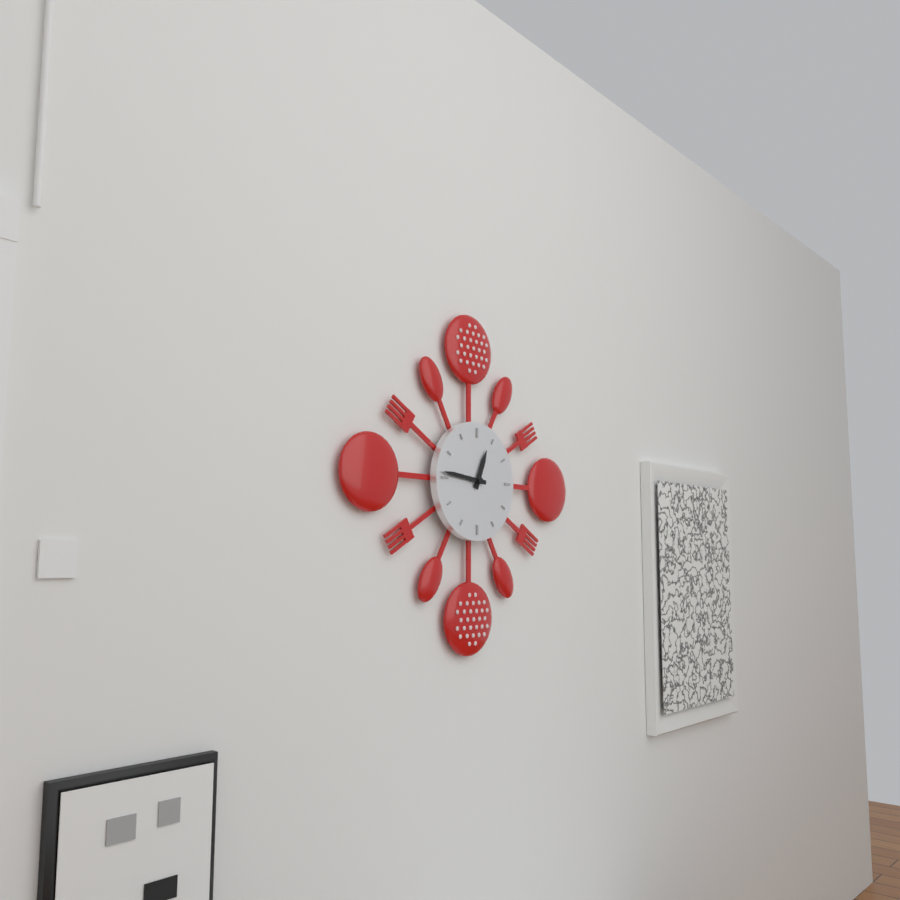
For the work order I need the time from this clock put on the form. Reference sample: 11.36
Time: 12.46
